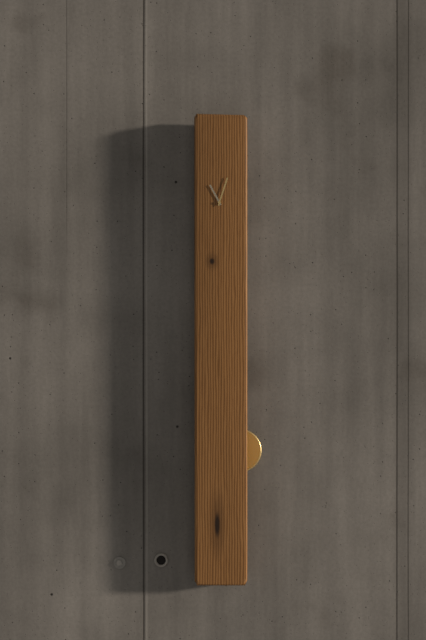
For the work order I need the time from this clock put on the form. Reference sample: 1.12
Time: 11.03
